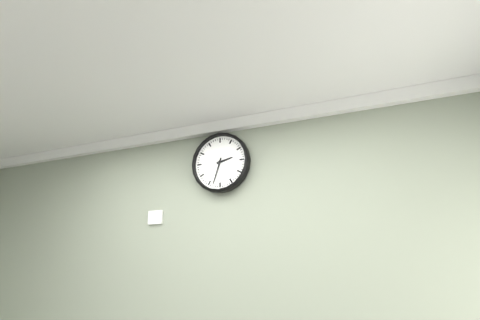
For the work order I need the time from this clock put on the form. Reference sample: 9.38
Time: 2.33
